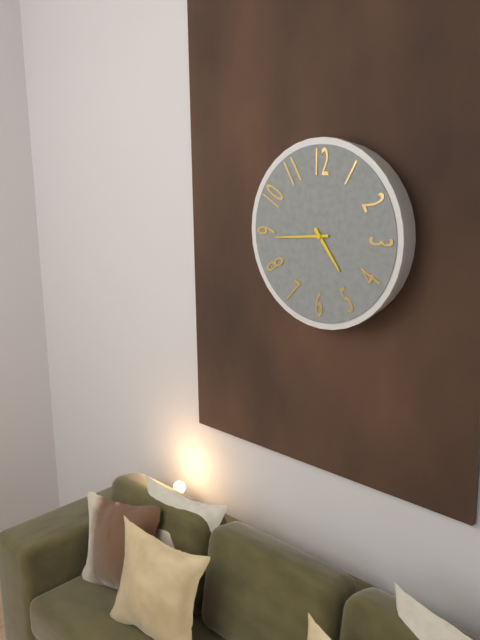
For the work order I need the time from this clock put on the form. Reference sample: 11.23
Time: 4.44
